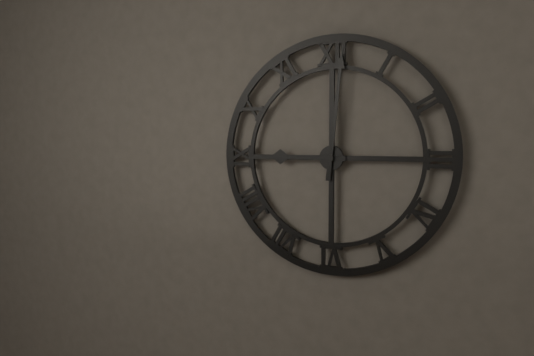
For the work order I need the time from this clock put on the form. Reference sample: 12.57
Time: 9.01
